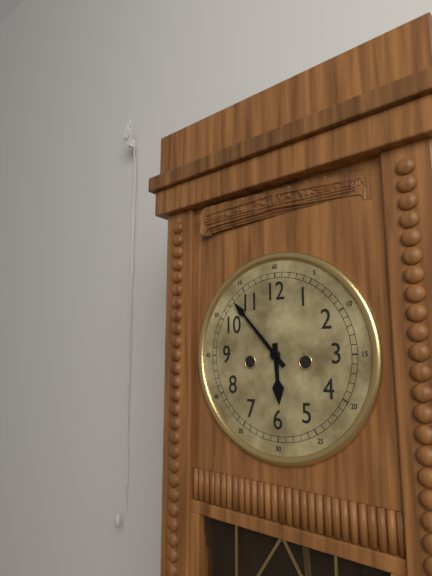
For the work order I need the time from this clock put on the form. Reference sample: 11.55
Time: 5.53
